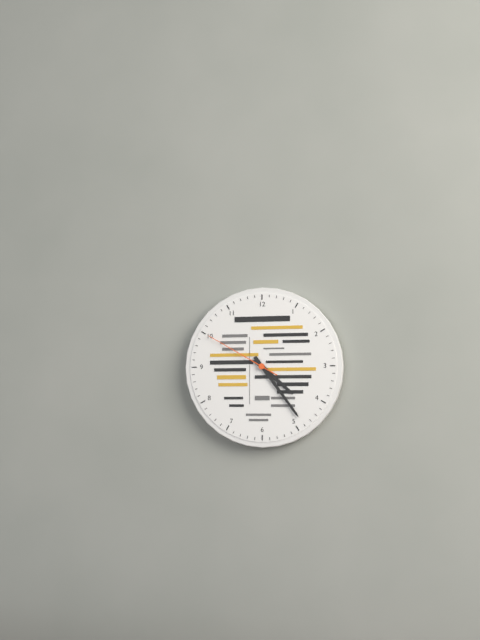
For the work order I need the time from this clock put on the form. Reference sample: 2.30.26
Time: 4.24.50
